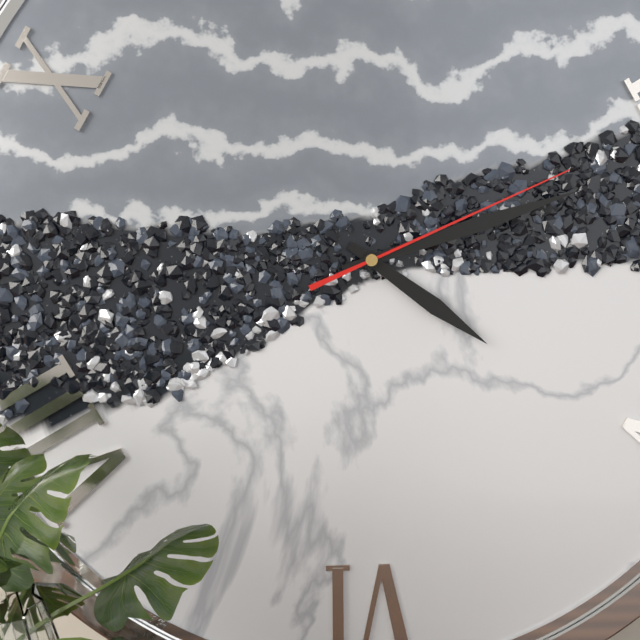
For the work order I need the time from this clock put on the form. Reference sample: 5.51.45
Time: 4.12.11
